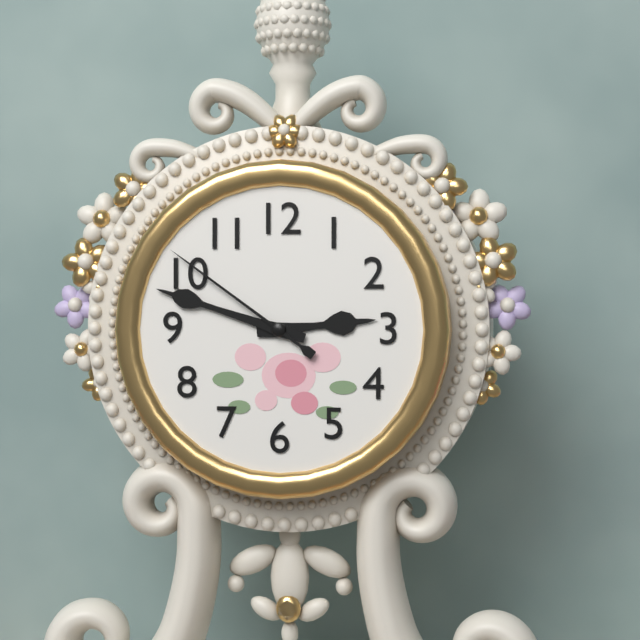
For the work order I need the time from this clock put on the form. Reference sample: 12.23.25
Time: 2.48.51
